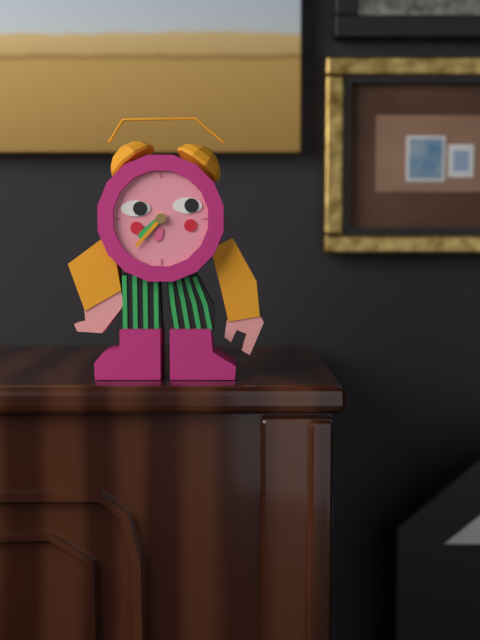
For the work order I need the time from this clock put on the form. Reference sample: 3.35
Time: 7.37
